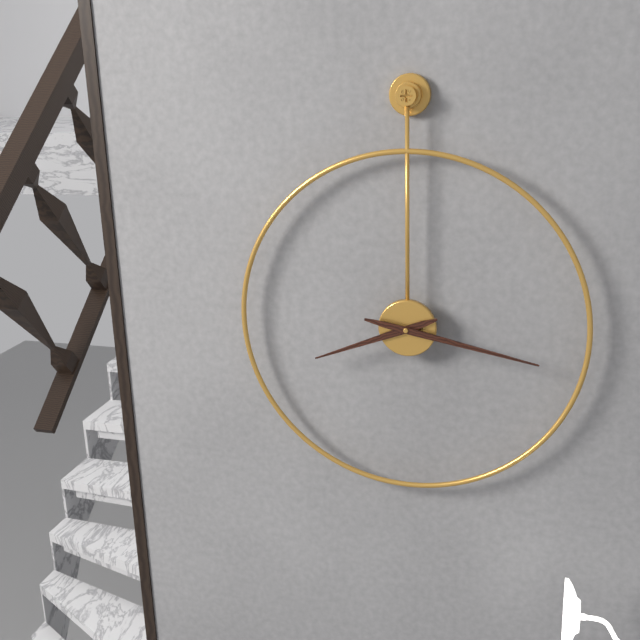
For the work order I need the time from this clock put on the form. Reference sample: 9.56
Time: 8.17
